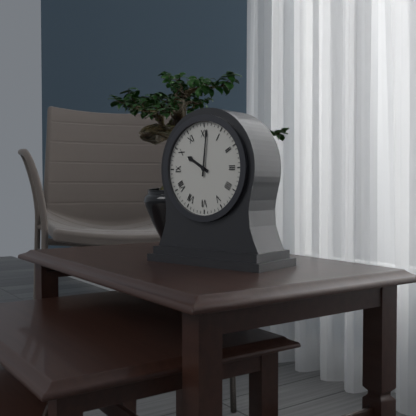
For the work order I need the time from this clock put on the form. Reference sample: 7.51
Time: 10.01
